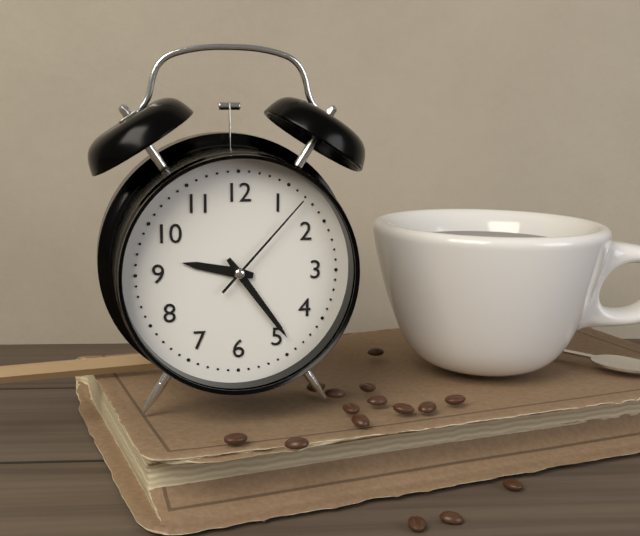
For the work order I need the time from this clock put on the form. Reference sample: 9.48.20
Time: 9.24.07
